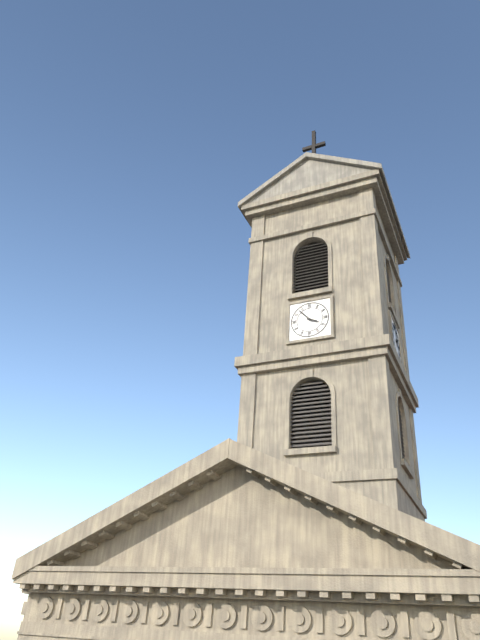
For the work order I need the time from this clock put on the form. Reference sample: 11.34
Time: 3.53
